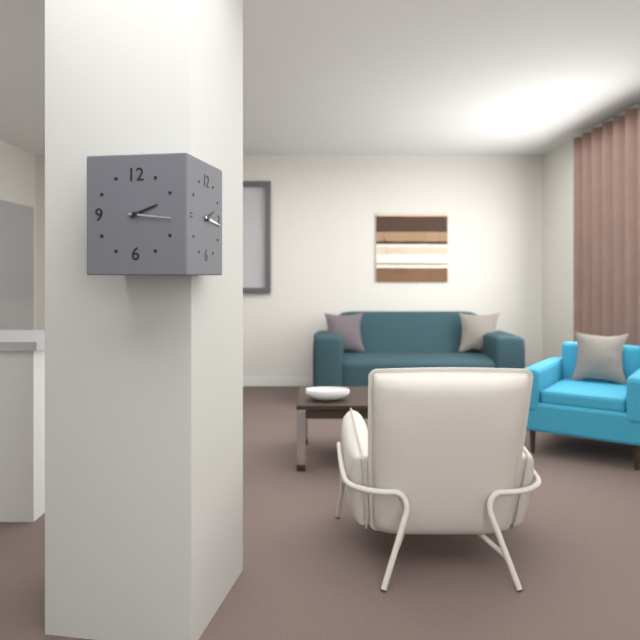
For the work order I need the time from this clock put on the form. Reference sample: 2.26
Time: 2.16
